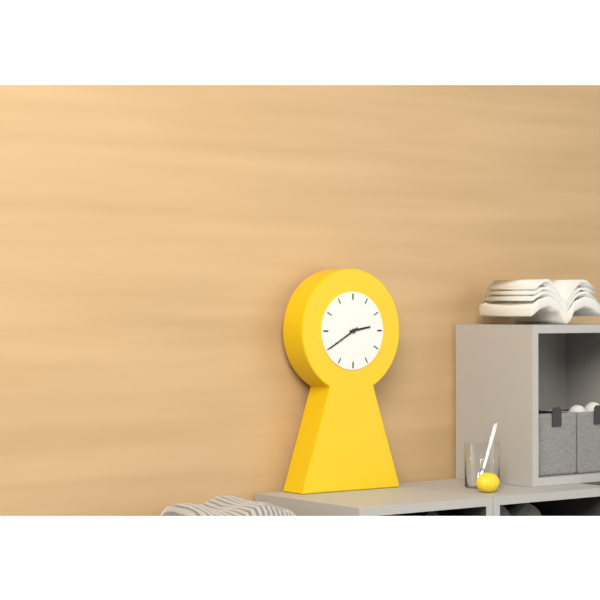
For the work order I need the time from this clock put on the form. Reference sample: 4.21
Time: 2.40
